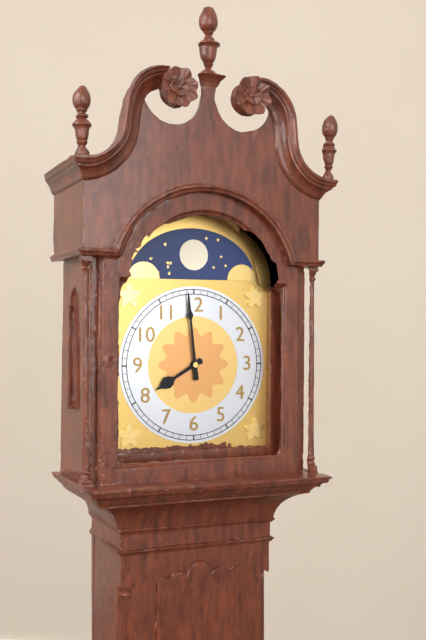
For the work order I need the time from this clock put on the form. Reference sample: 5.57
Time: 7.59
